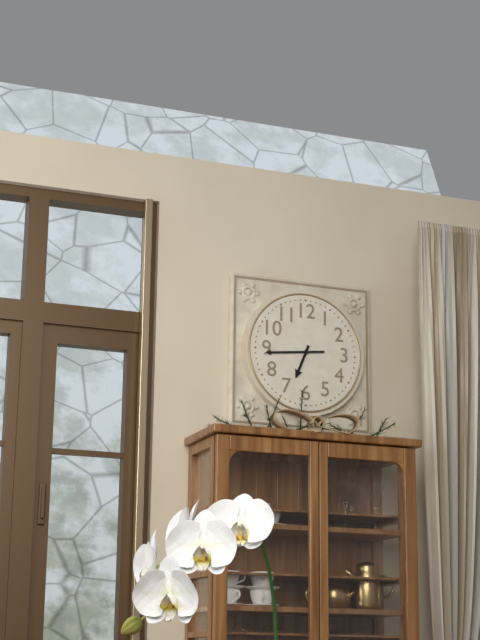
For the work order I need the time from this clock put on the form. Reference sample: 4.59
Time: 6.44
